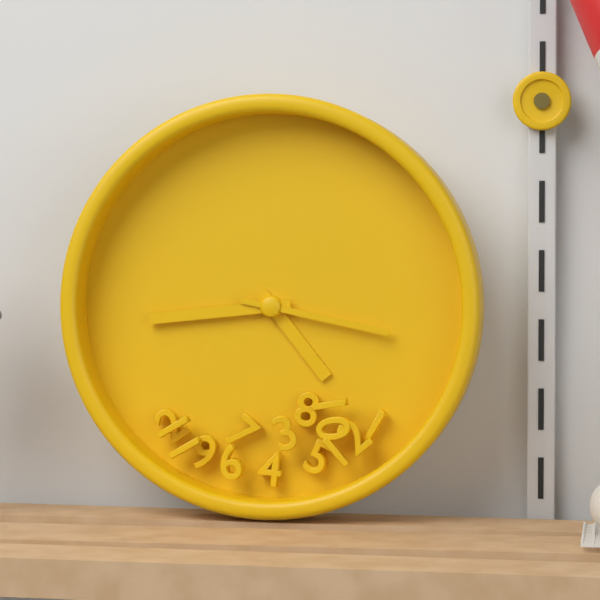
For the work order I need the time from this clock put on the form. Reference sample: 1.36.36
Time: 4.44.17
